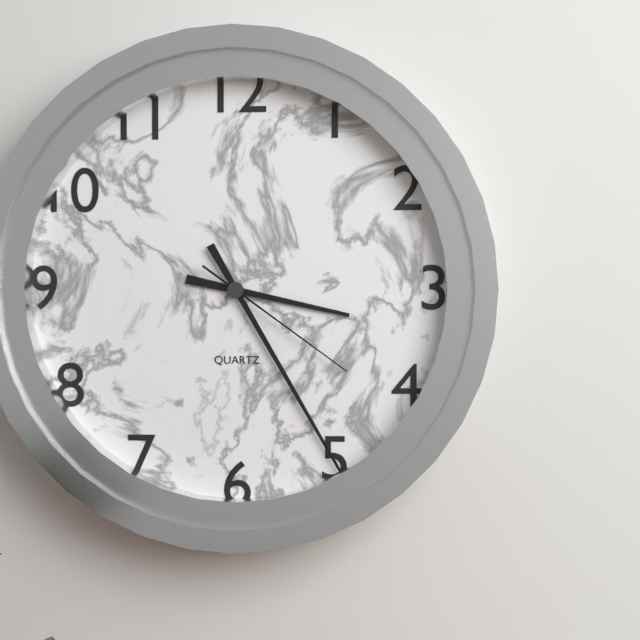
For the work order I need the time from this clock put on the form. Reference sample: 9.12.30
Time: 3.25.21
